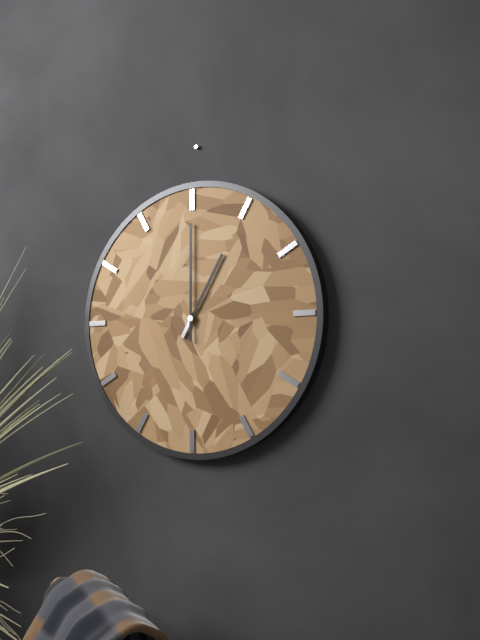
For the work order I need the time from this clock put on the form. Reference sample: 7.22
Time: 1.00
